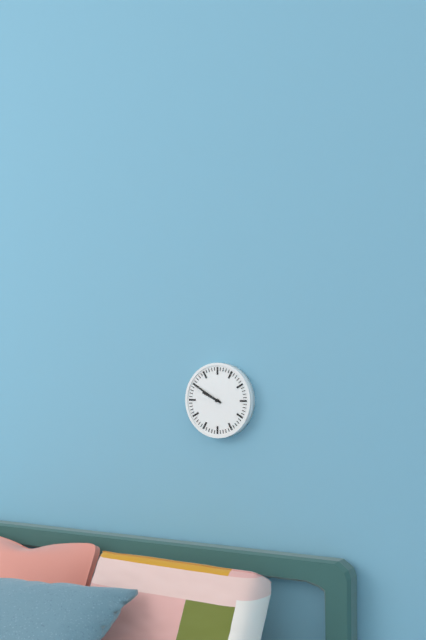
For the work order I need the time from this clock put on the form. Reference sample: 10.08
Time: 9.50
